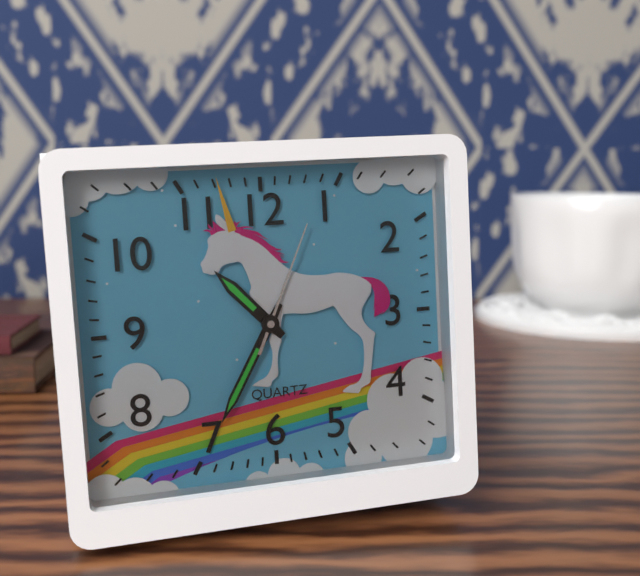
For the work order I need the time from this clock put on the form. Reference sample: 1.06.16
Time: 10.35.04
